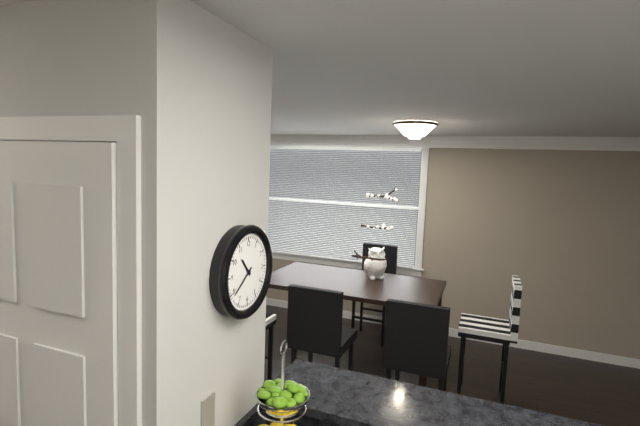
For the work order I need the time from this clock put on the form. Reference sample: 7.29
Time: 10.39
